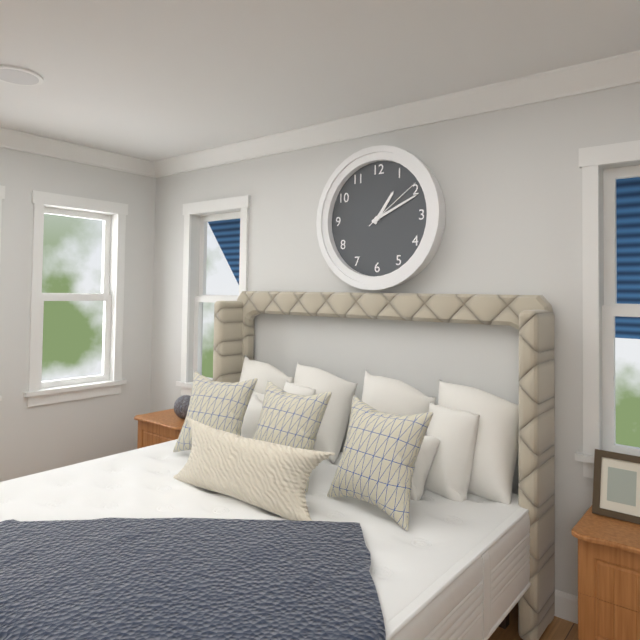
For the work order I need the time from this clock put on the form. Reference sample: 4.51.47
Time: 1.11.09
